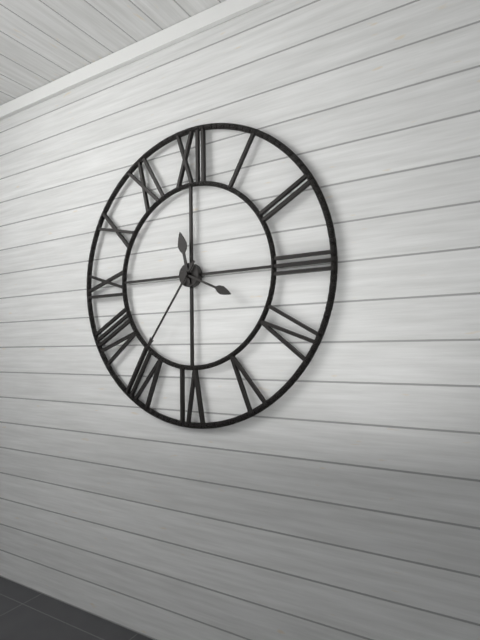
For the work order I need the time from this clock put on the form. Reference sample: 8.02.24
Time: 11.36.19
